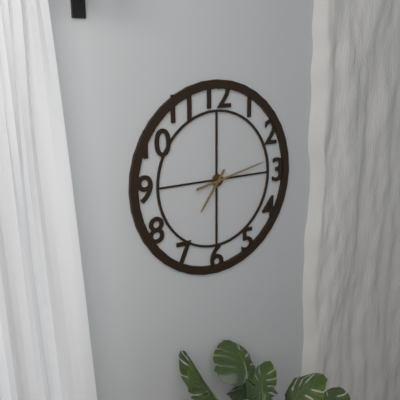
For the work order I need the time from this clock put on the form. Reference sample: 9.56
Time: 7.13
